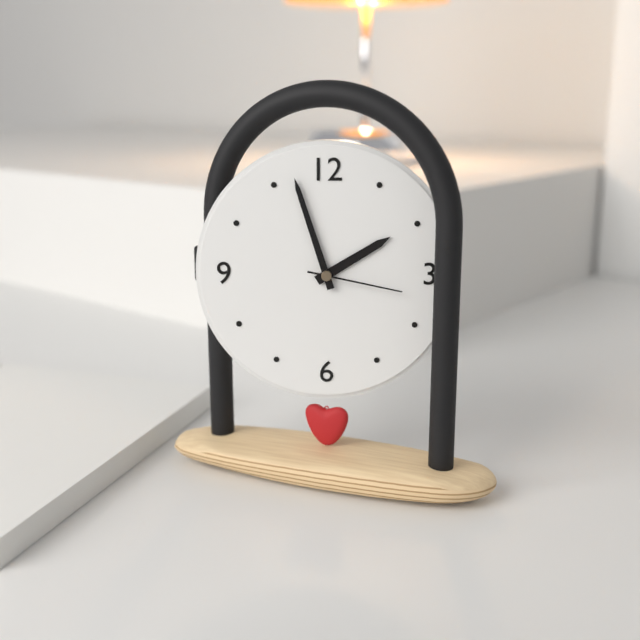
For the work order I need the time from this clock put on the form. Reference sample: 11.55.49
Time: 1.57.17
